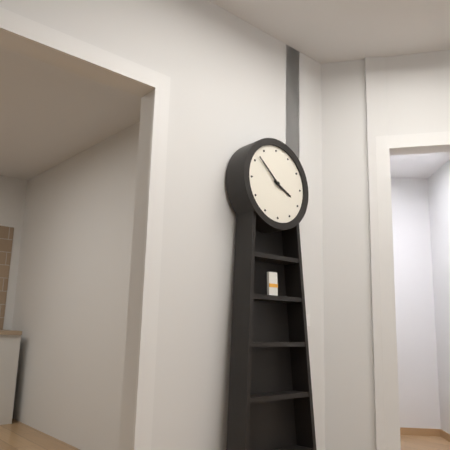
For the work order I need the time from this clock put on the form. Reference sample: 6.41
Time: 3.52
